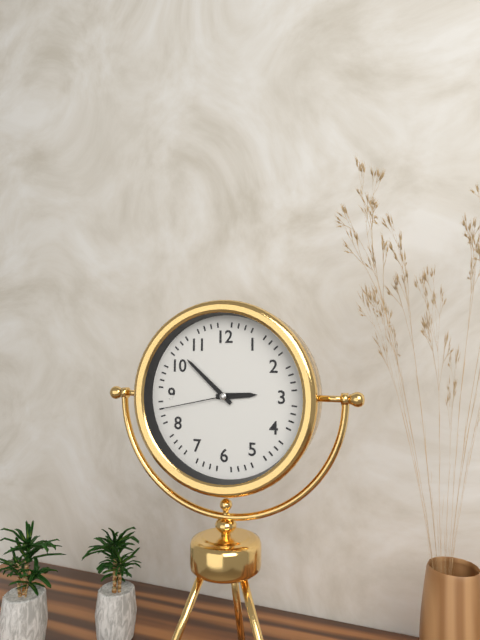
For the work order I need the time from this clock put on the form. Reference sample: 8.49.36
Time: 2.52.43
